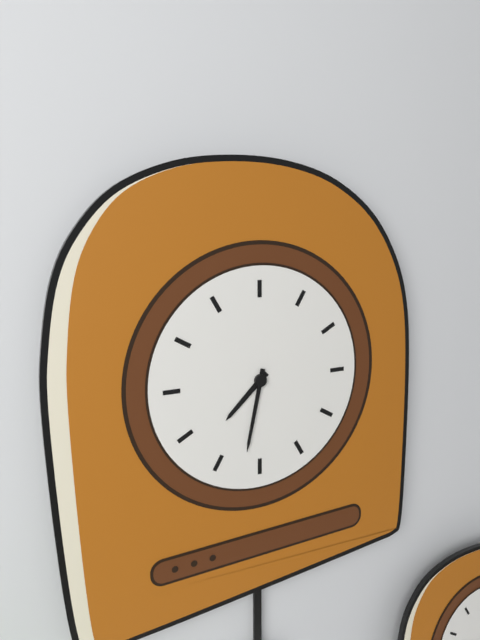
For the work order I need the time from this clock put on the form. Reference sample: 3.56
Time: 7.32
